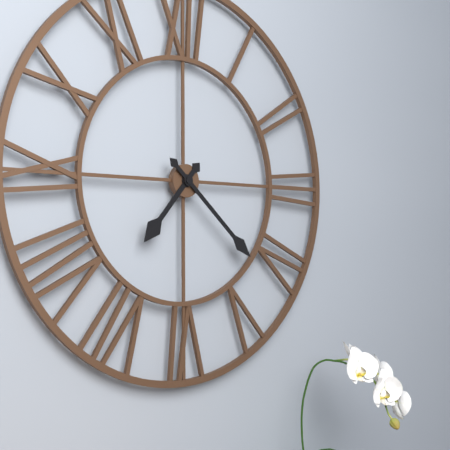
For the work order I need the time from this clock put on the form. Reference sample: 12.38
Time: 7.22
